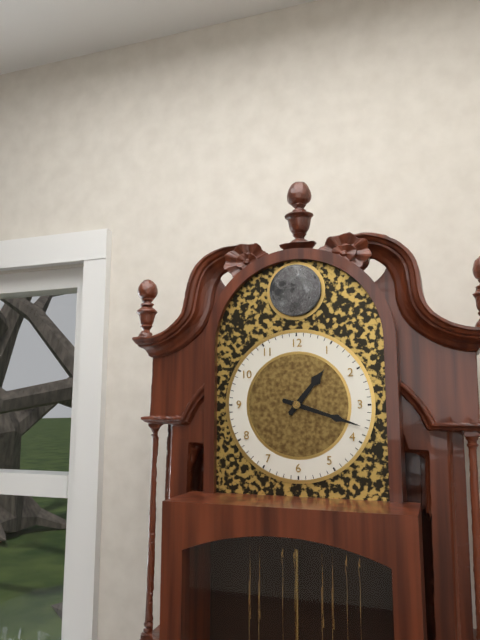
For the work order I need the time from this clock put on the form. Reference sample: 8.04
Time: 1.18
